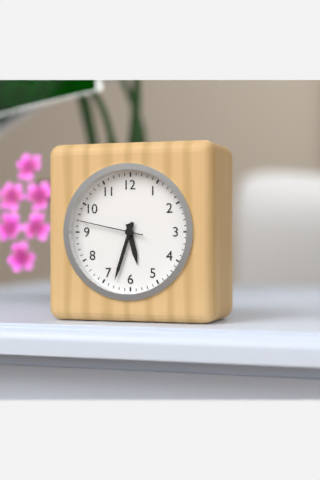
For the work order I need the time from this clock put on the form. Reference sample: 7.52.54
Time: 5.33.47
